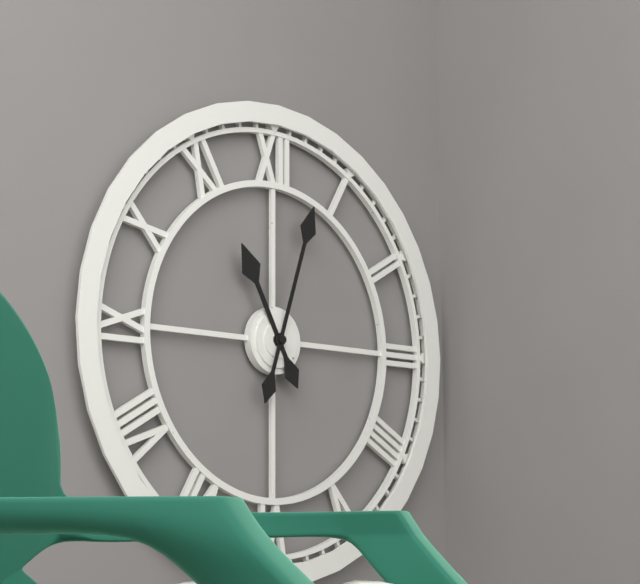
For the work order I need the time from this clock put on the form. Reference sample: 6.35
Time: 11.03
